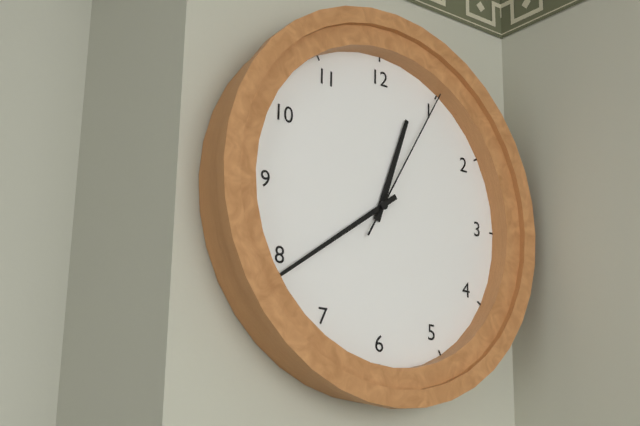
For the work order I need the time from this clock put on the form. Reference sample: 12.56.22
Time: 12.39.05
